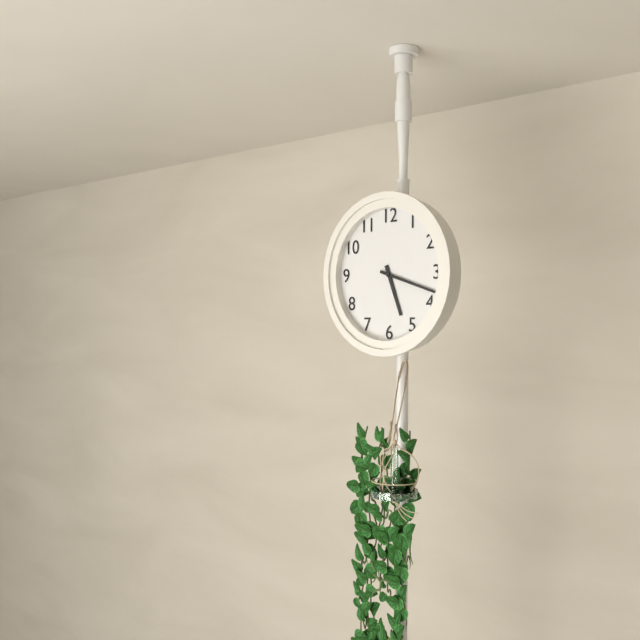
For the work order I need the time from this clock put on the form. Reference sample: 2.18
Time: 5.18
